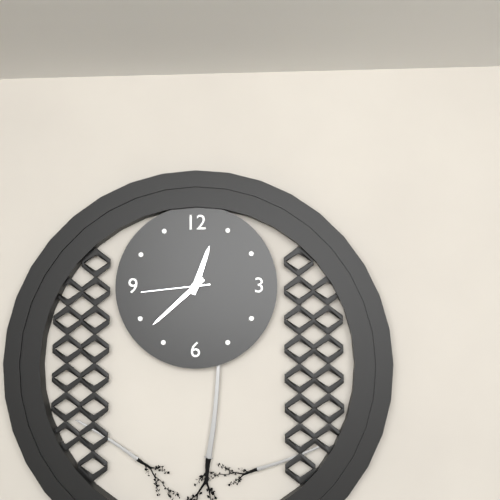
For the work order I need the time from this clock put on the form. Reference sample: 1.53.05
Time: 12.38.44
